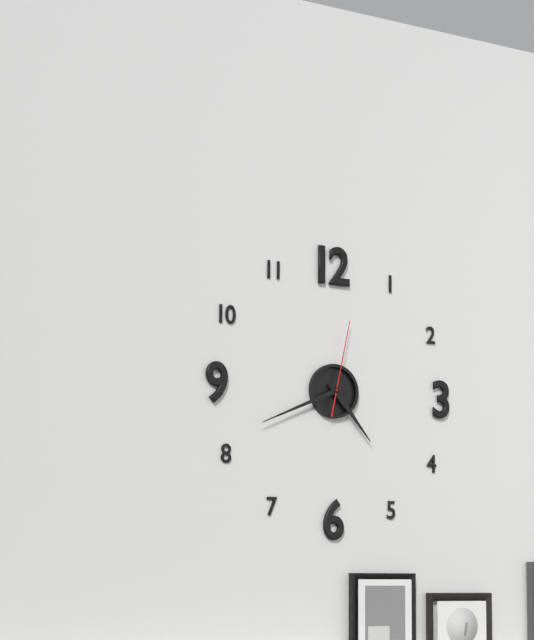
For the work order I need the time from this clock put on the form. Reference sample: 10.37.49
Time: 4.41.02
